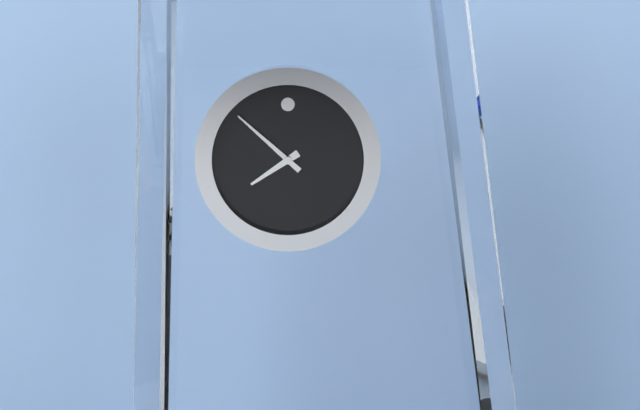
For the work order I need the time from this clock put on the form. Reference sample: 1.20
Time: 7.52
